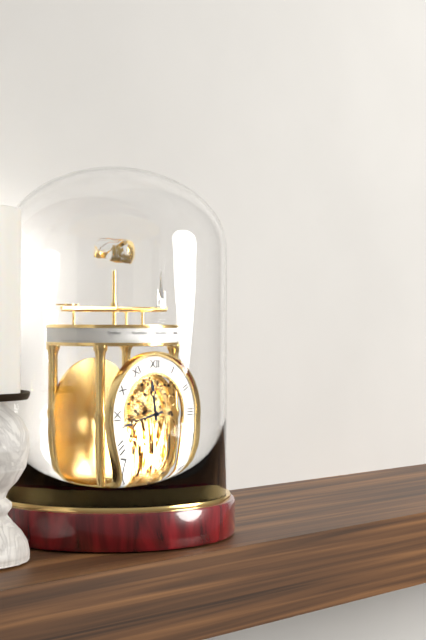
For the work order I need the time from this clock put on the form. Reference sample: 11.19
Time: 11.43
